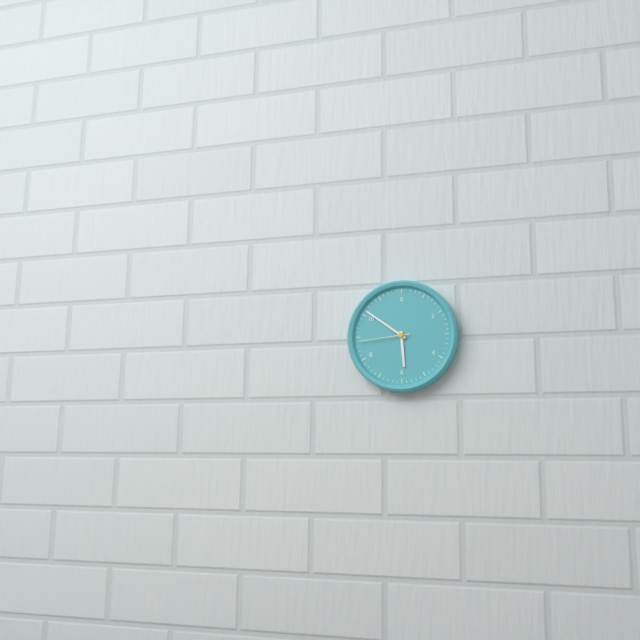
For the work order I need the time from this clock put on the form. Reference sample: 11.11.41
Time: 5.51.44
